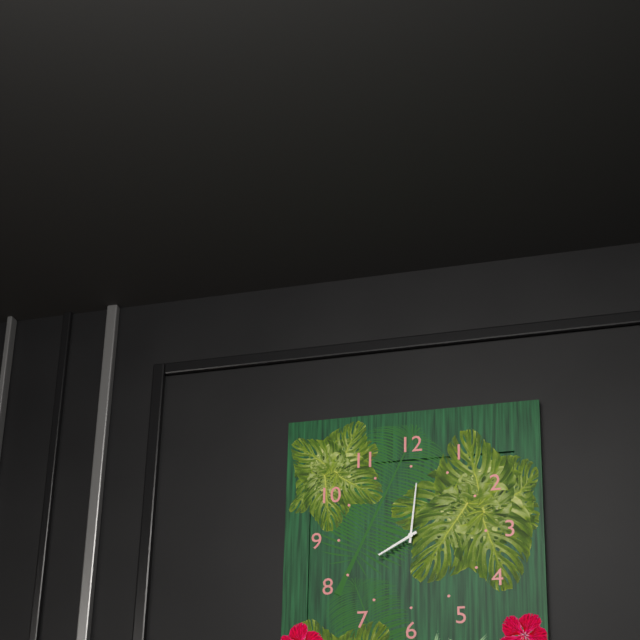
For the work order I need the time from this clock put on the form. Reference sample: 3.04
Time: 8.01
